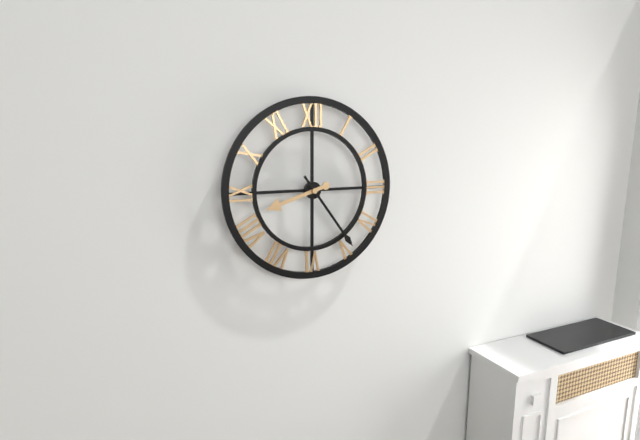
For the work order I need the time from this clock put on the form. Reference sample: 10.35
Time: 8.24
